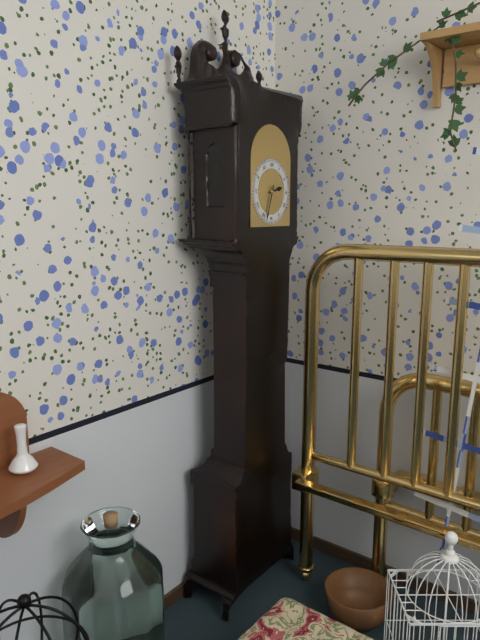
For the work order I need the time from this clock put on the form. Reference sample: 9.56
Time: 2.33
